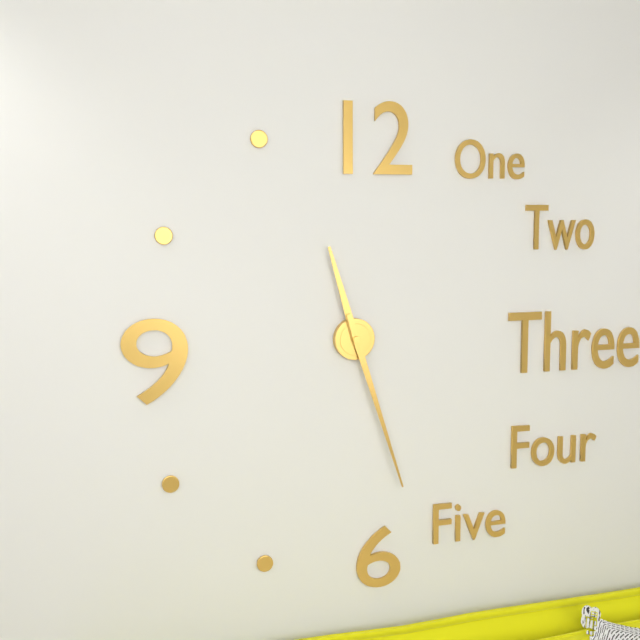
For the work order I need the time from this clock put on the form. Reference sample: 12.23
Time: 11.27
